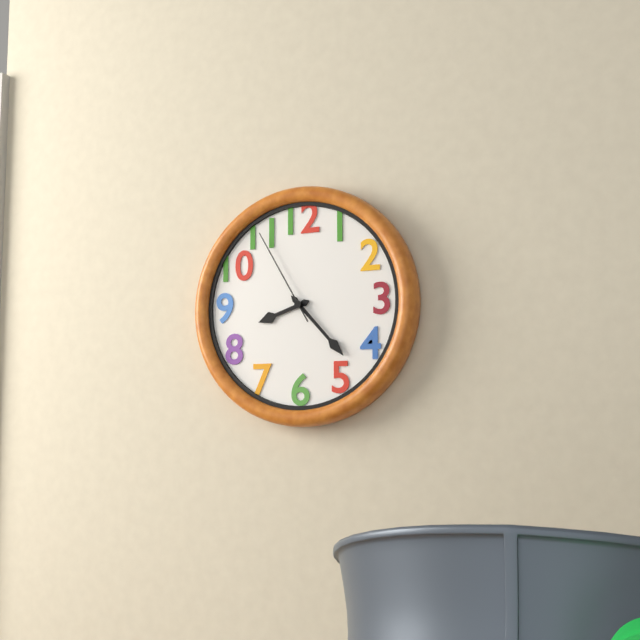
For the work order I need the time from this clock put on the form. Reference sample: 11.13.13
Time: 8.23.55
